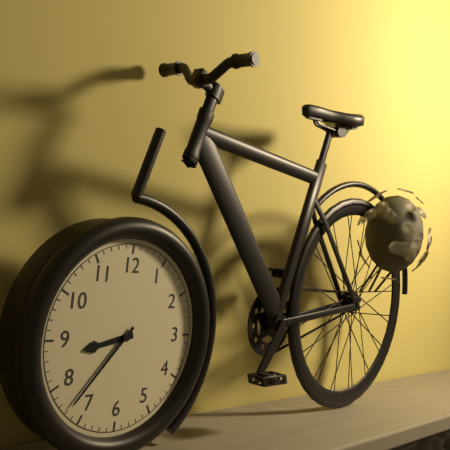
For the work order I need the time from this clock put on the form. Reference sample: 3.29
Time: 8.37
